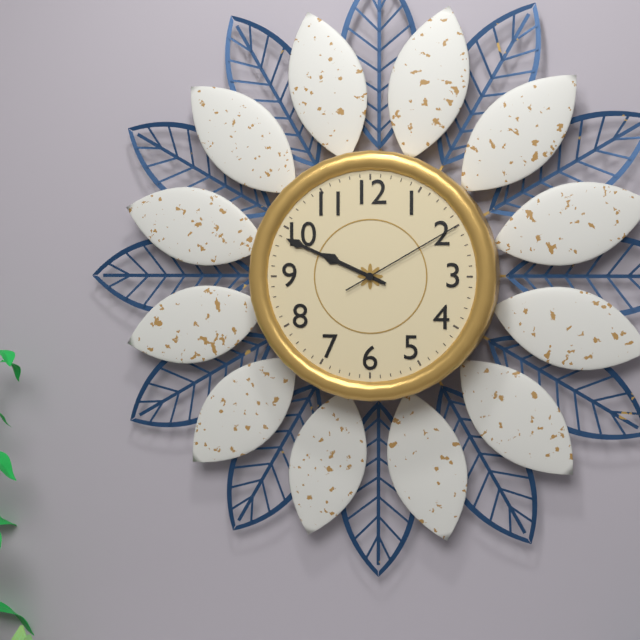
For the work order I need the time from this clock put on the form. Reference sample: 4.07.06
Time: 9.49.10
